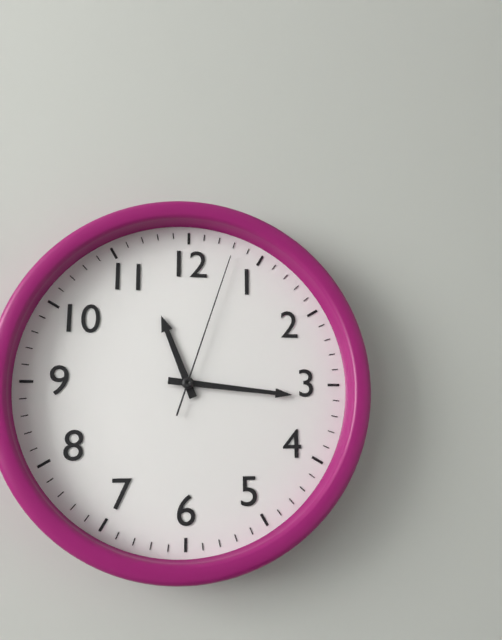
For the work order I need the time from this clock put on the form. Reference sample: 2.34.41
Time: 11.16.03
